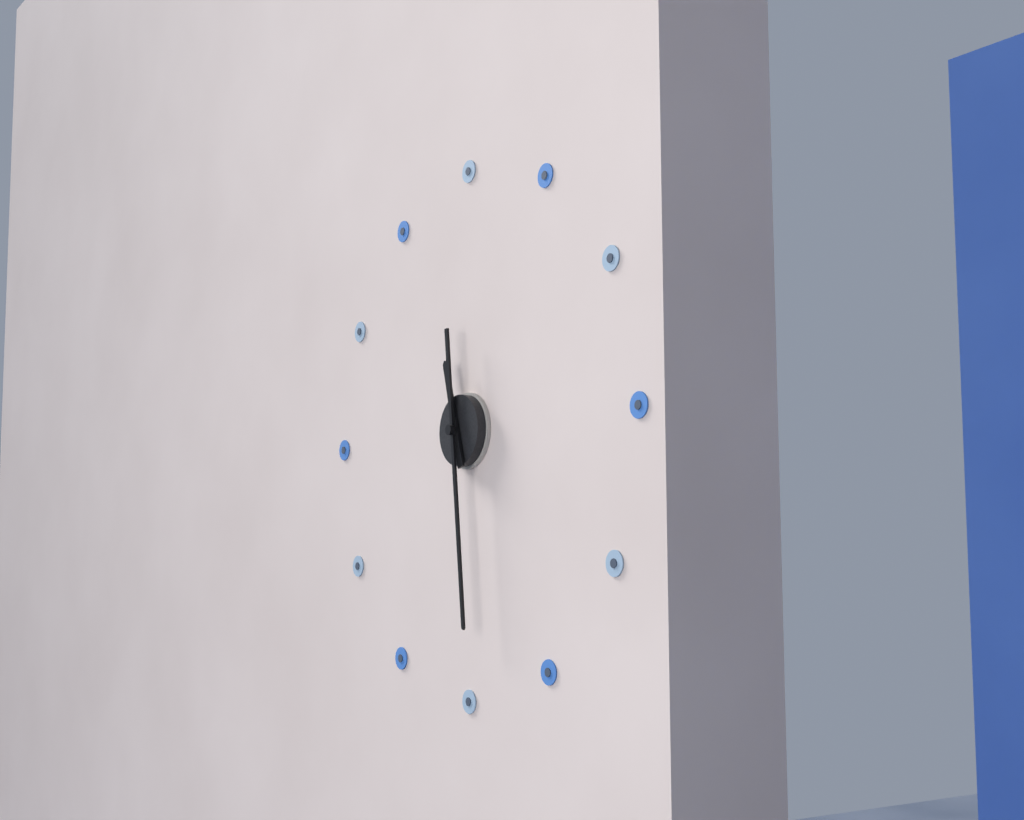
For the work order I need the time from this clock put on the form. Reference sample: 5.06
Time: 11.29
